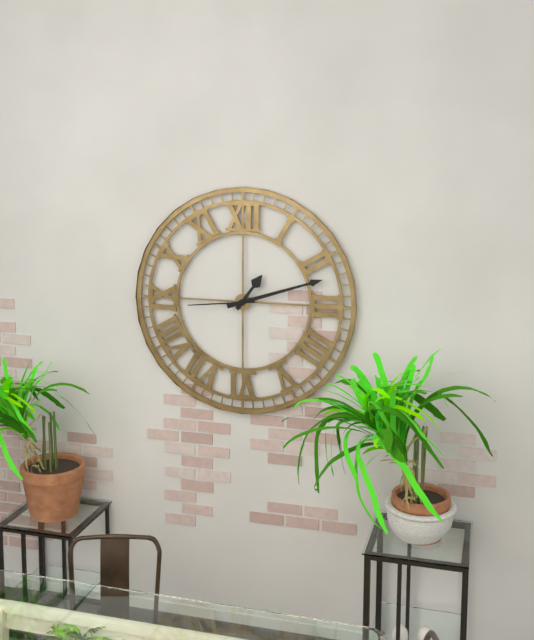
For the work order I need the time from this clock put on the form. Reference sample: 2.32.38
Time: 1.12.44
